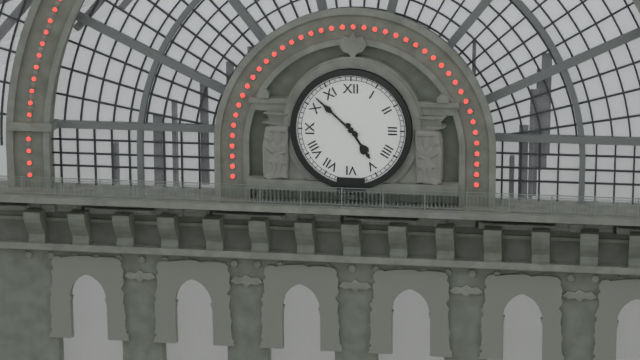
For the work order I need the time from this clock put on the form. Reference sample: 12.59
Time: 4.52
